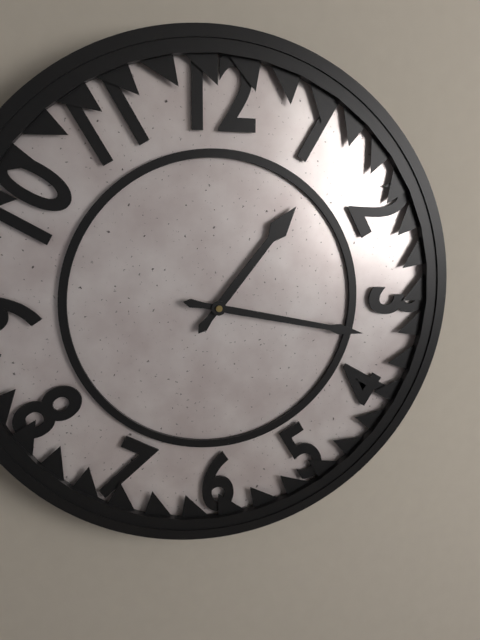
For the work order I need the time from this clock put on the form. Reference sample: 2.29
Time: 1.17
